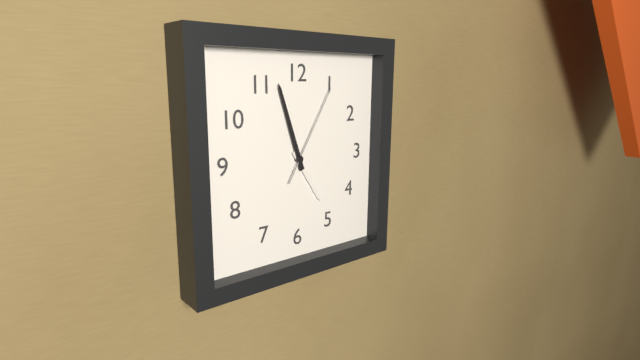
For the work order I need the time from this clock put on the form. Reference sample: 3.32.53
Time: 4.57.05
